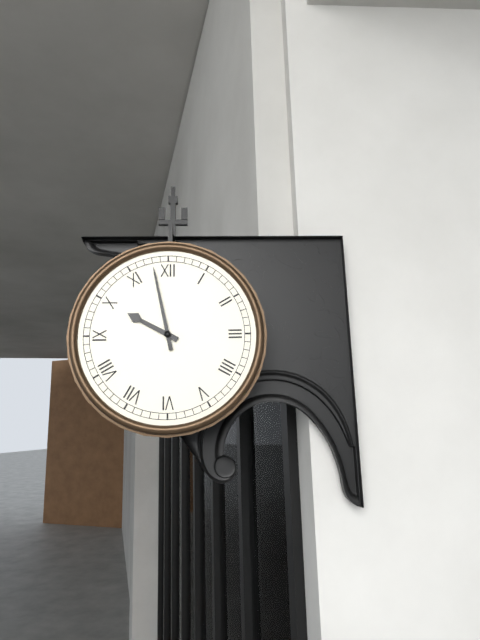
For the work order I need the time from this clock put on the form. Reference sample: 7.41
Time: 9.58
